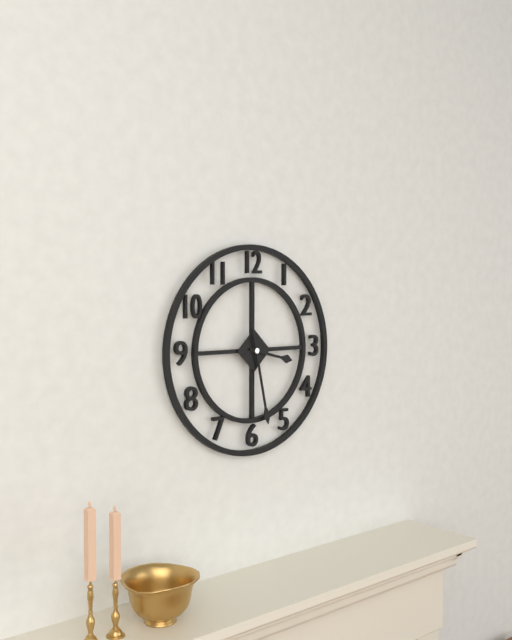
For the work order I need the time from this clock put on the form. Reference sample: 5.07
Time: 3.28
